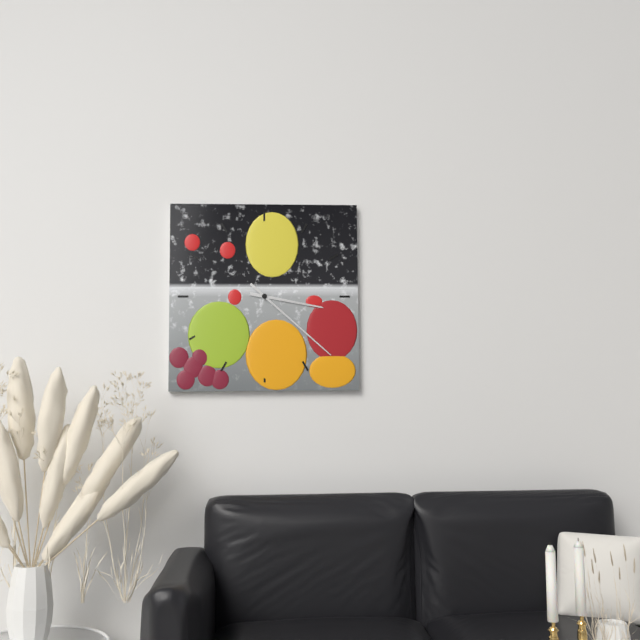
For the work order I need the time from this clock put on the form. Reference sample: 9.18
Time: 3.22
